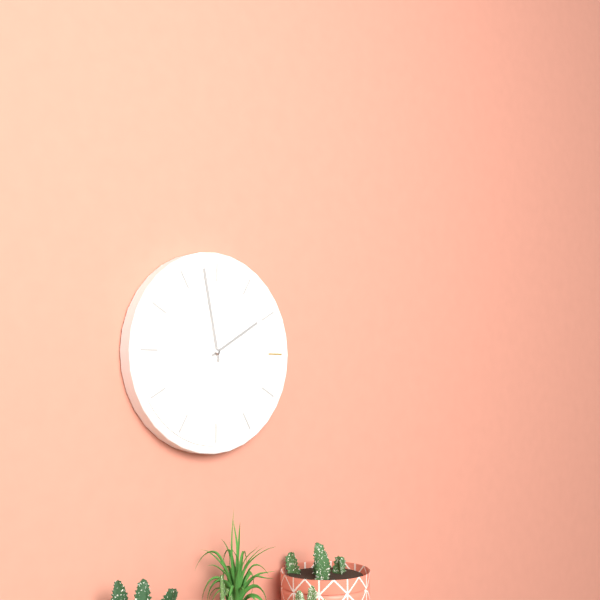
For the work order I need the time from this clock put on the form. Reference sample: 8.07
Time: 1.58
